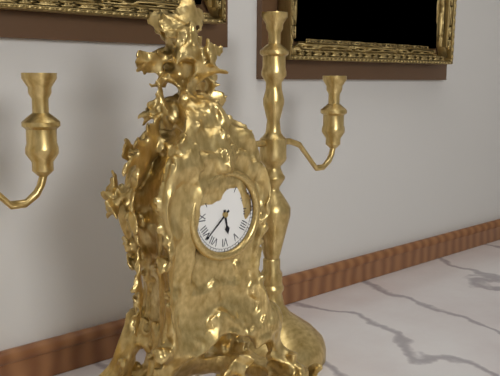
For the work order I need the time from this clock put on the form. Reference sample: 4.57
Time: 5.38
